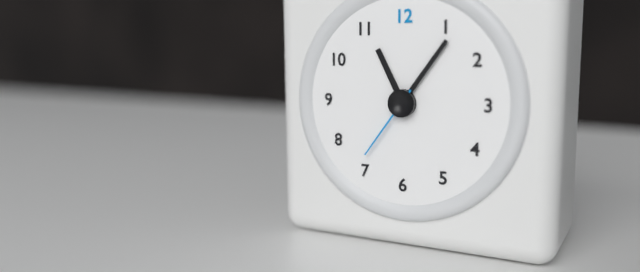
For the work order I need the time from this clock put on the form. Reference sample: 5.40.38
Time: 11.06.36
